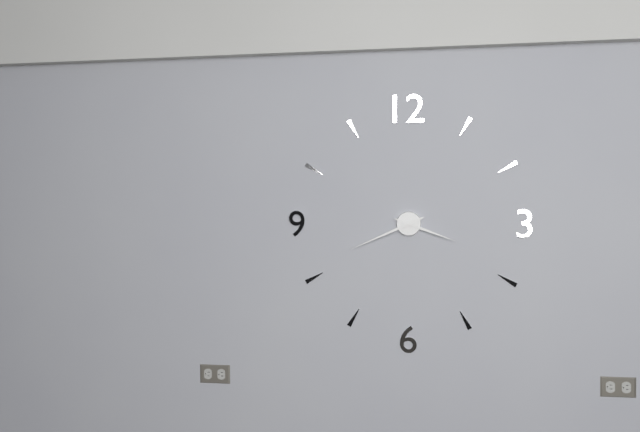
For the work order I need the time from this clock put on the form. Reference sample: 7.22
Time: 3.41
